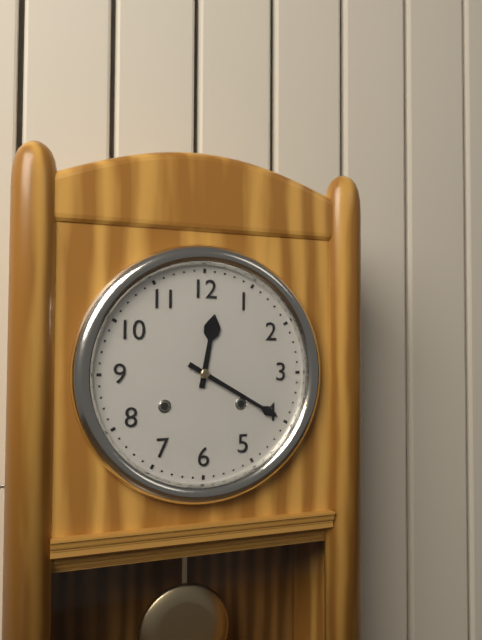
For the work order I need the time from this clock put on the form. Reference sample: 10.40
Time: 12.20
